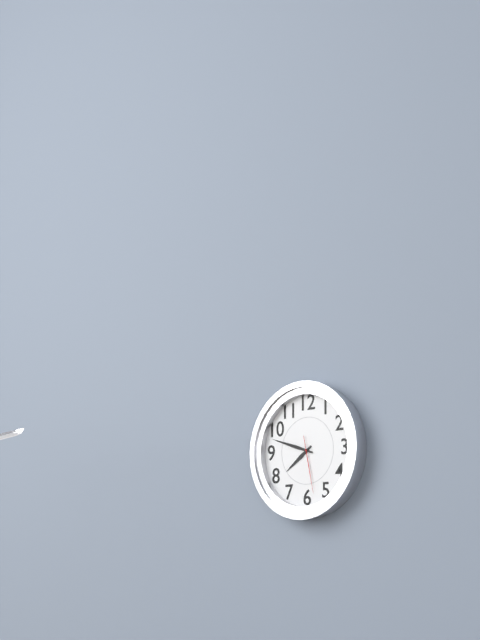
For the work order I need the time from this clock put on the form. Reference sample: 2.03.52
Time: 7.48.28
